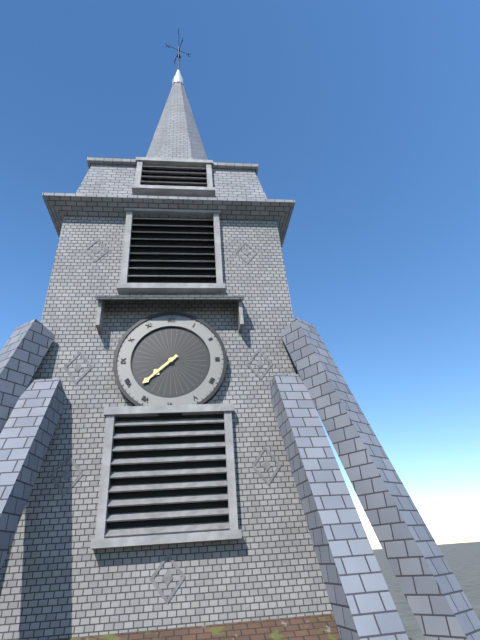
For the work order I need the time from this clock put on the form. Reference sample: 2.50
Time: 7.38
